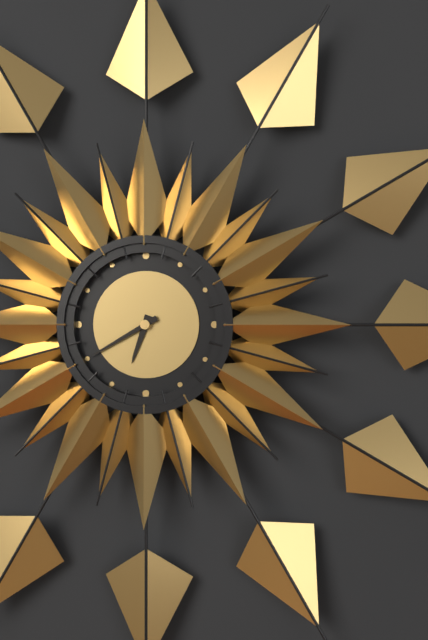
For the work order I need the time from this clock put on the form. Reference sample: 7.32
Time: 6.40
